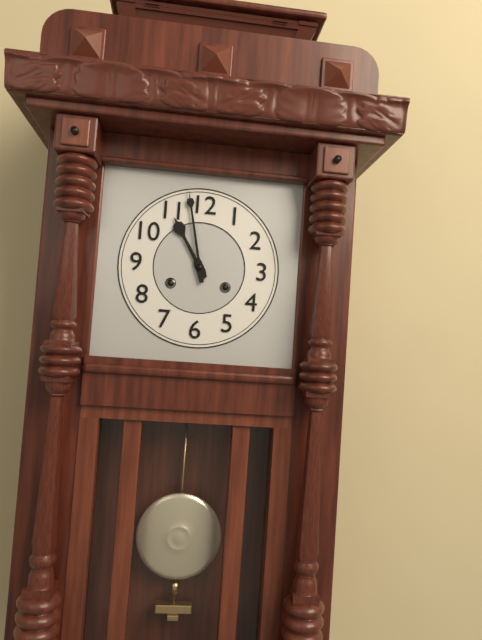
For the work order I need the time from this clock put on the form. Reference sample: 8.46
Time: 10.58
